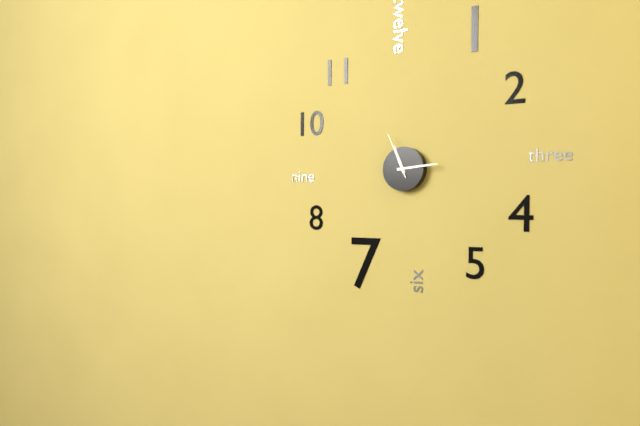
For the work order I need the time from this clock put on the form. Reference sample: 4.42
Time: 11.14
